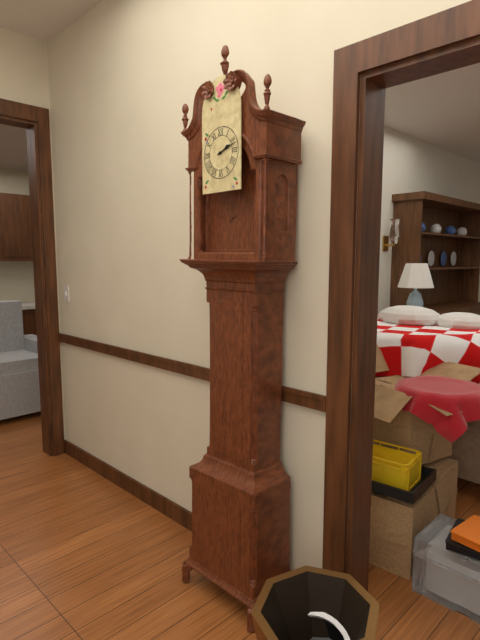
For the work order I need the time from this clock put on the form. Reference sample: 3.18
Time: 2.12
